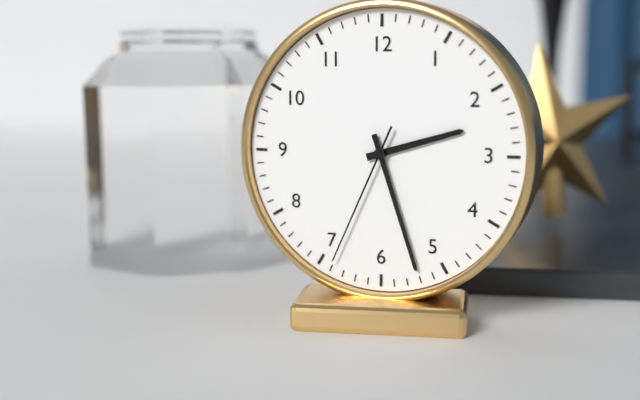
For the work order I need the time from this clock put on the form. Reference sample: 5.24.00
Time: 2.27.34
